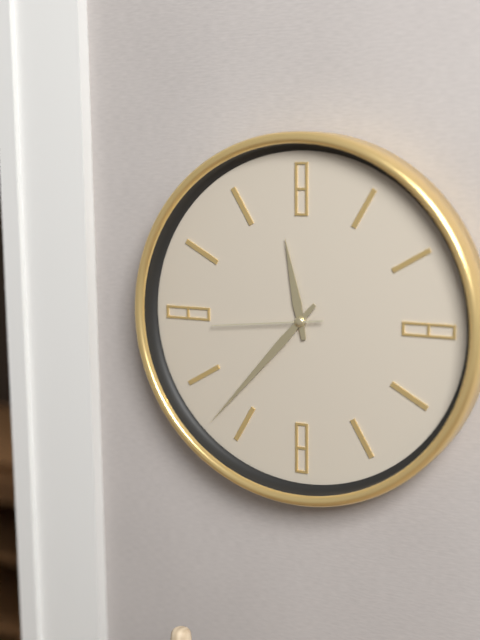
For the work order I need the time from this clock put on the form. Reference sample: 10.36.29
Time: 11.37.44
